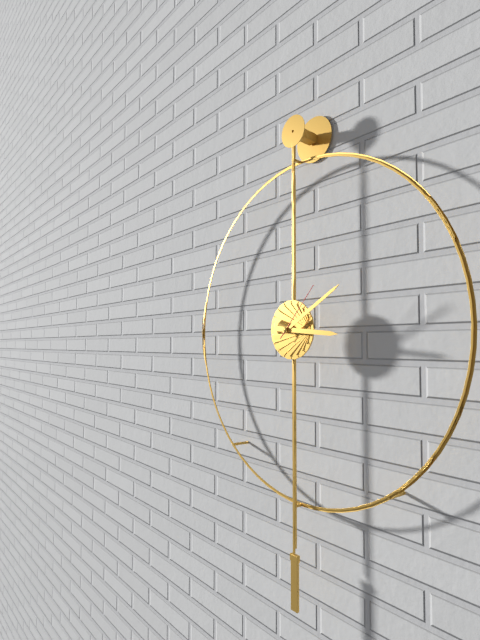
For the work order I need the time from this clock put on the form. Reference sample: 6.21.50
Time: 3.10.07
